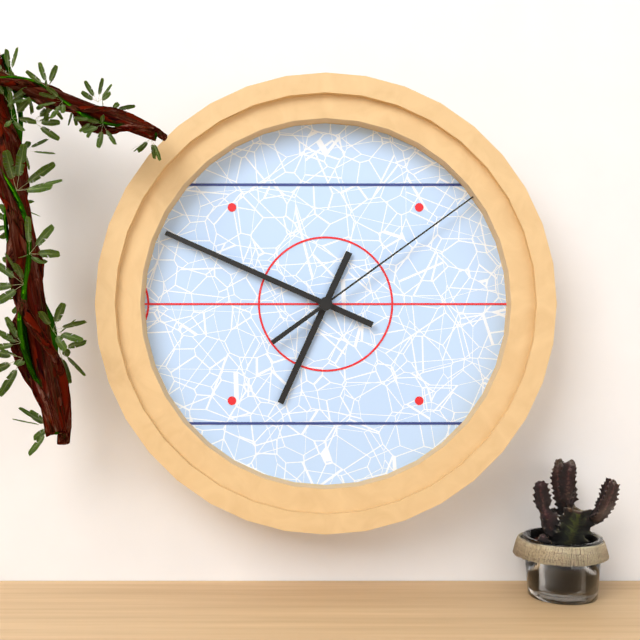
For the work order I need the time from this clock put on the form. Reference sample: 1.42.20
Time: 6.49.09
